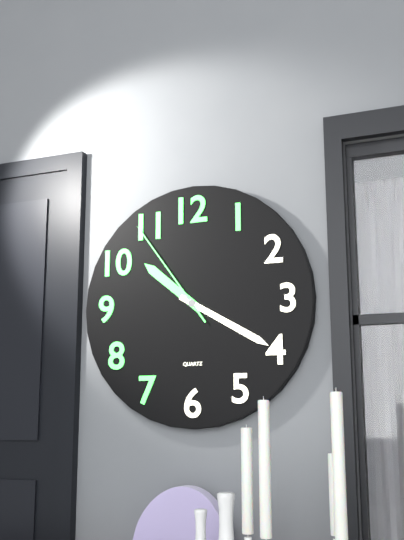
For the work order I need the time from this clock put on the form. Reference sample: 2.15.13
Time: 10.20.54
